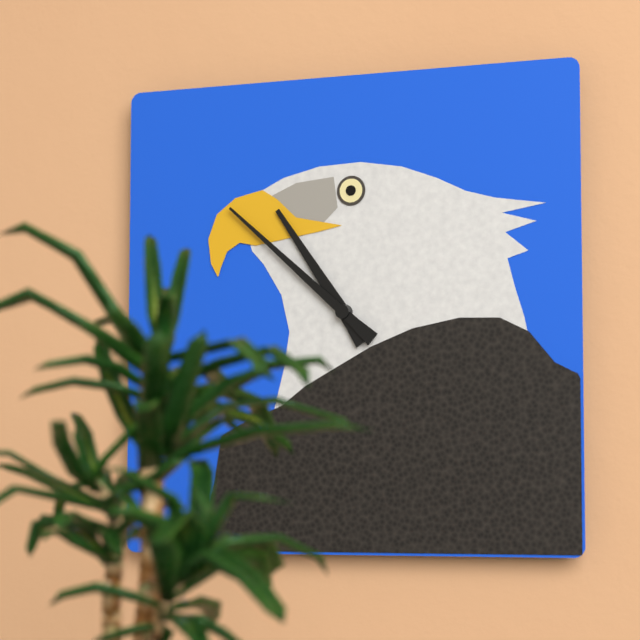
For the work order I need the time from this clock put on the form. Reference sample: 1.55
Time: 10.52
